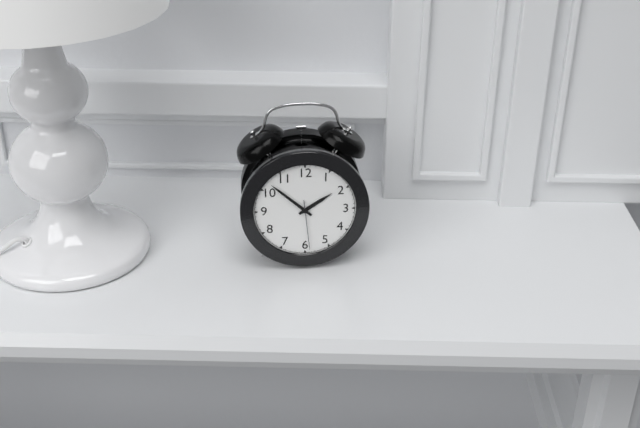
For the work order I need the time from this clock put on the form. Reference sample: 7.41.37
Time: 1.52.29
